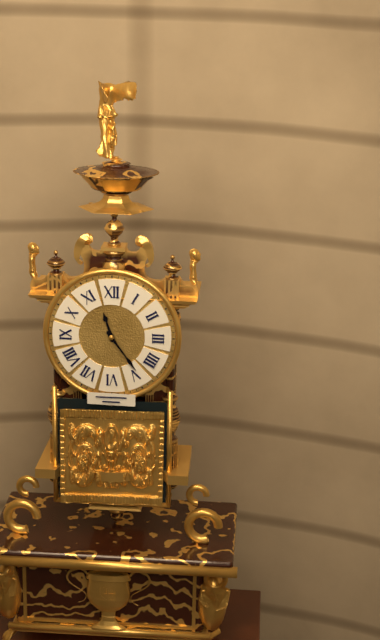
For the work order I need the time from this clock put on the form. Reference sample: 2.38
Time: 11.24
